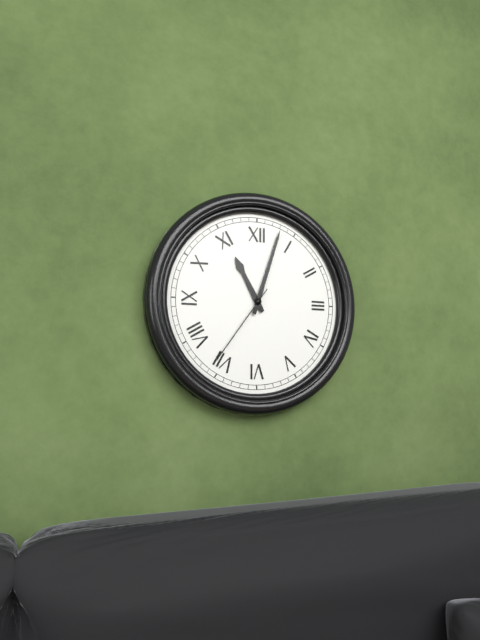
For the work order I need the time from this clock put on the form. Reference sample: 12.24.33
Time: 11.03.36
